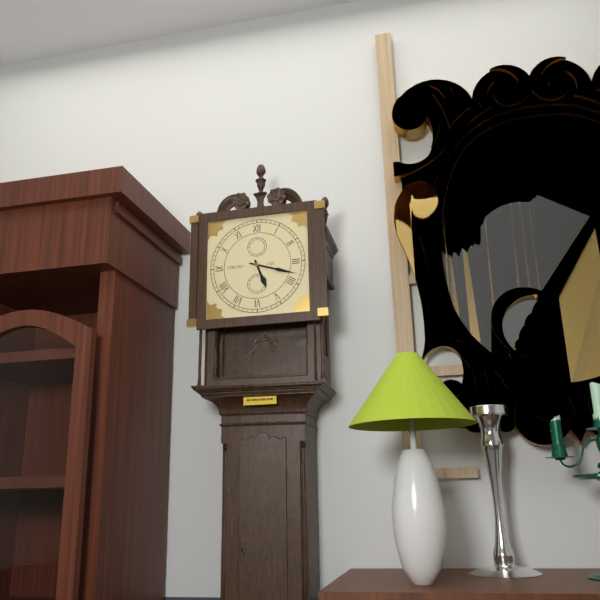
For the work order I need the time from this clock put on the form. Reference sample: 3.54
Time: 5.18
